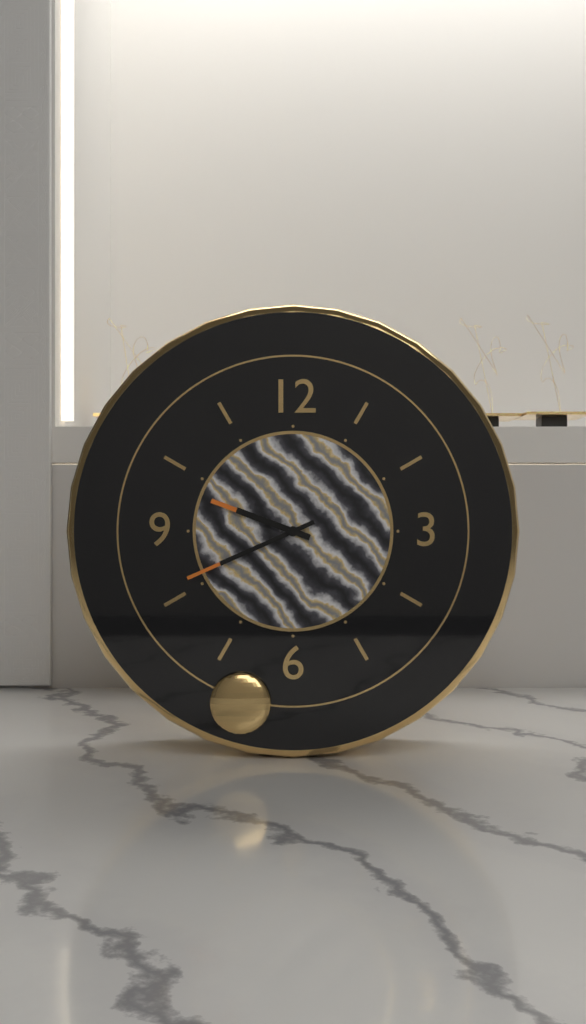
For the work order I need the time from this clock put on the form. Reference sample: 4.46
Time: 9.41
